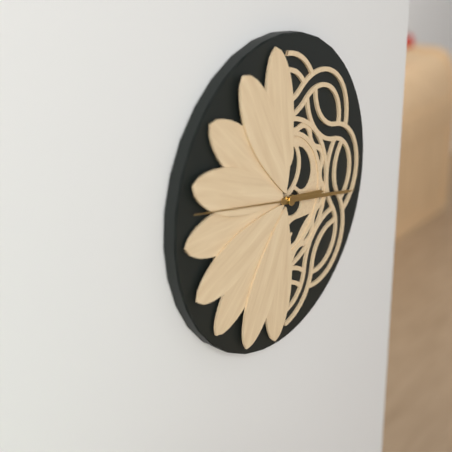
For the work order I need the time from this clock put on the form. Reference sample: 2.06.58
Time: 3.17.47
